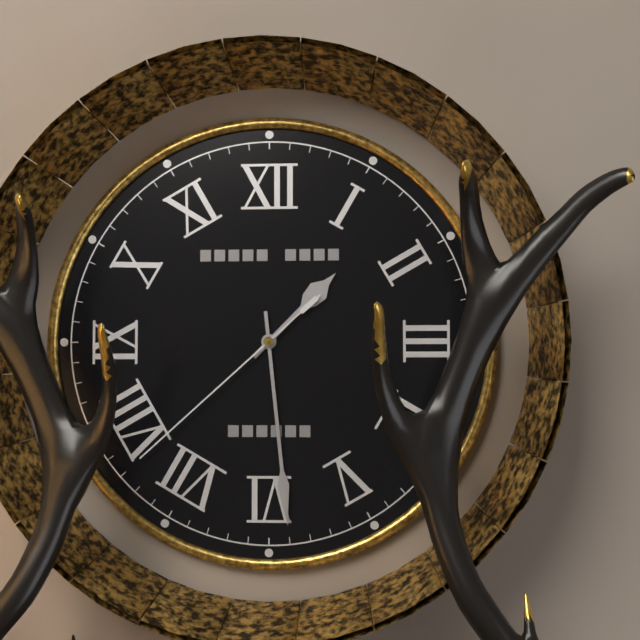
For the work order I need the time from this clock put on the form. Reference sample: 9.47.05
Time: 1.29.38
